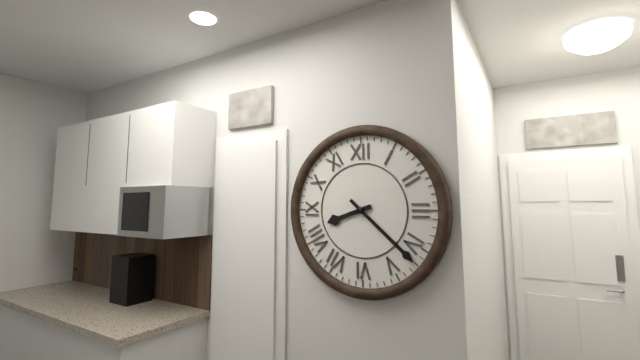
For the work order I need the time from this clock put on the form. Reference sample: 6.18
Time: 8.22
